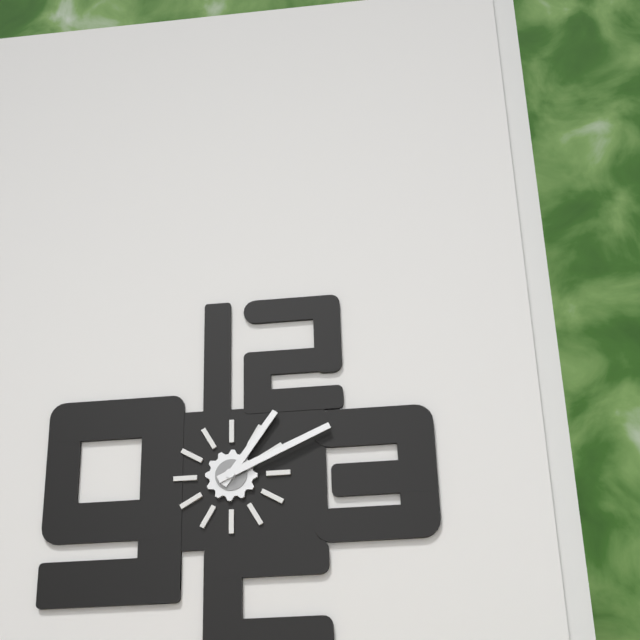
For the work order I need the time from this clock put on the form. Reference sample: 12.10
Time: 1.11
